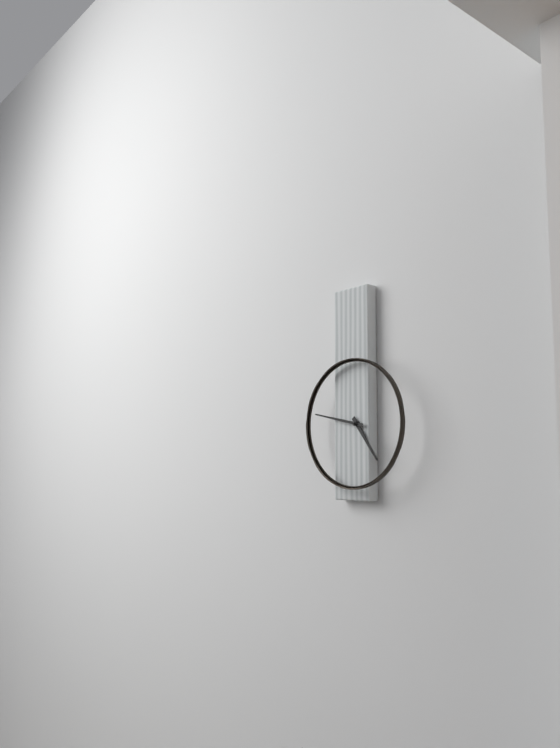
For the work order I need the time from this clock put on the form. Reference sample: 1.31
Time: 4.47
